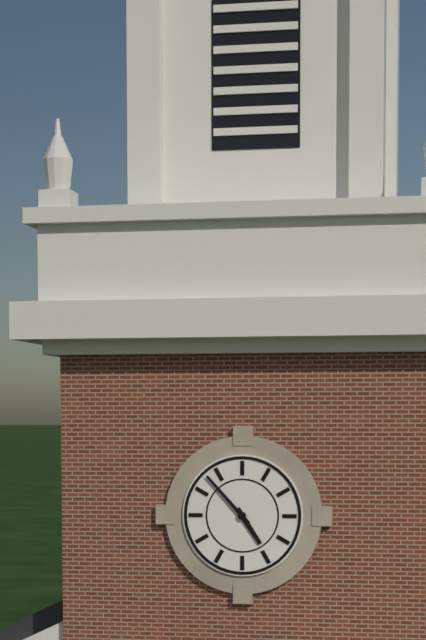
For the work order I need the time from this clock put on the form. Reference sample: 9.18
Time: 4.53
